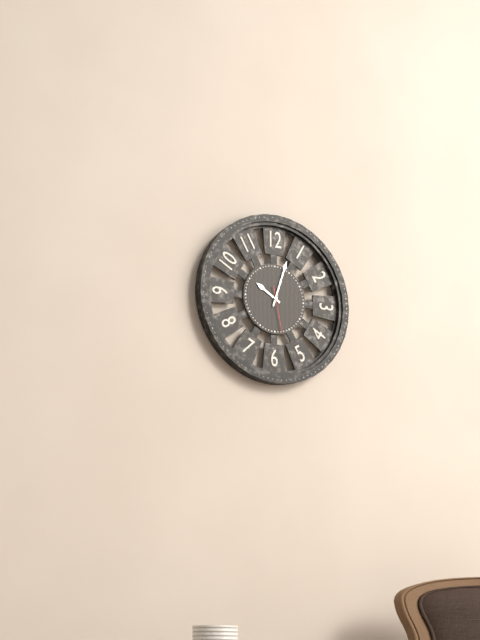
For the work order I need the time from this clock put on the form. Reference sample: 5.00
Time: 10.03
